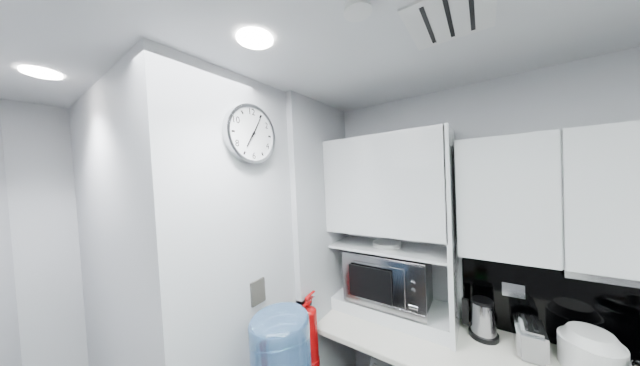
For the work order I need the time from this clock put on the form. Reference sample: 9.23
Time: 7.05
